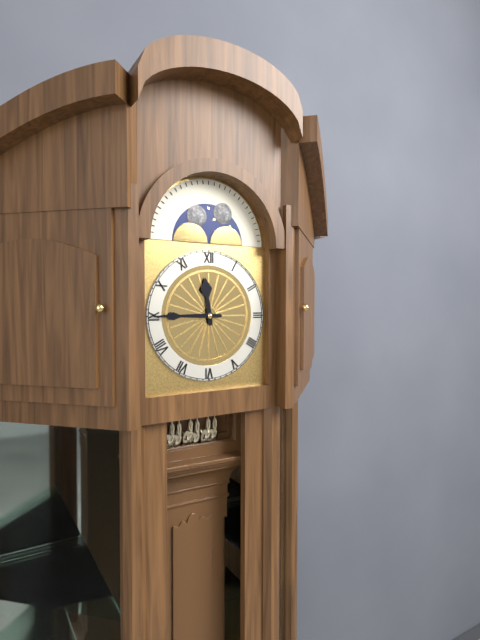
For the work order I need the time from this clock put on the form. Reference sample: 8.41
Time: 11.45
